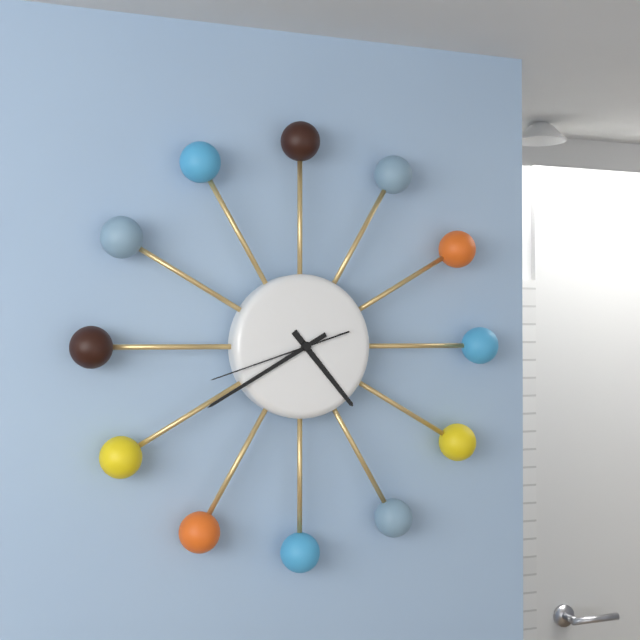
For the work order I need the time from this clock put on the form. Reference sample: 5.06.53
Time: 4.40.42
